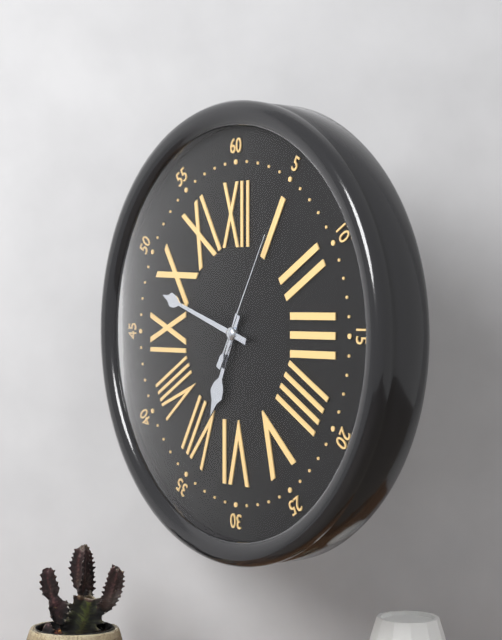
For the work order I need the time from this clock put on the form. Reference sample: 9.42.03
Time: 6.48.05
